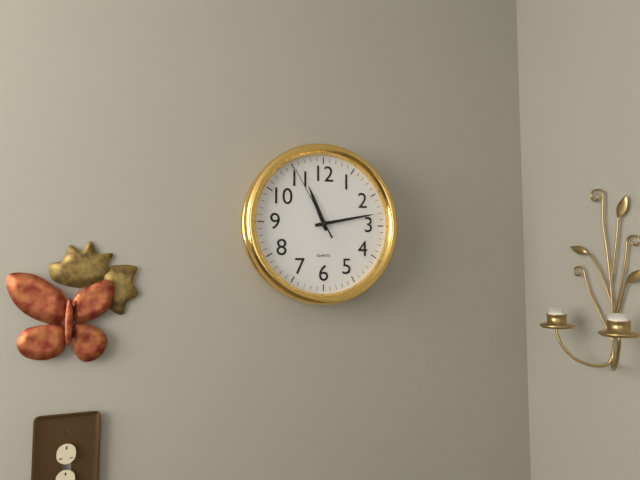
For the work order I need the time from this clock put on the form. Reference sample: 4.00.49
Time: 11.13.55
